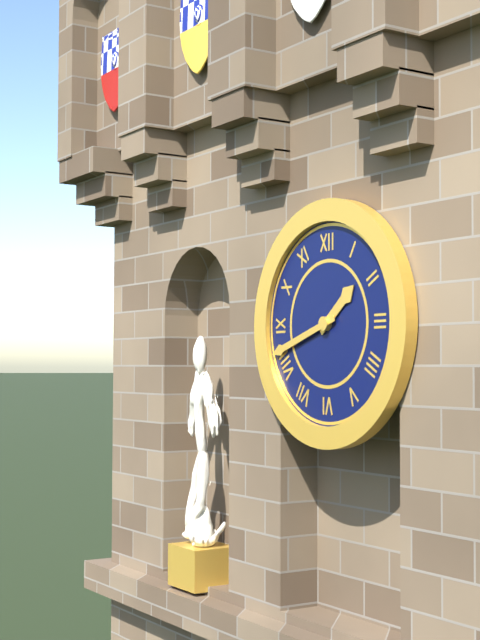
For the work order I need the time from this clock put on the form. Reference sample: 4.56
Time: 1.42
